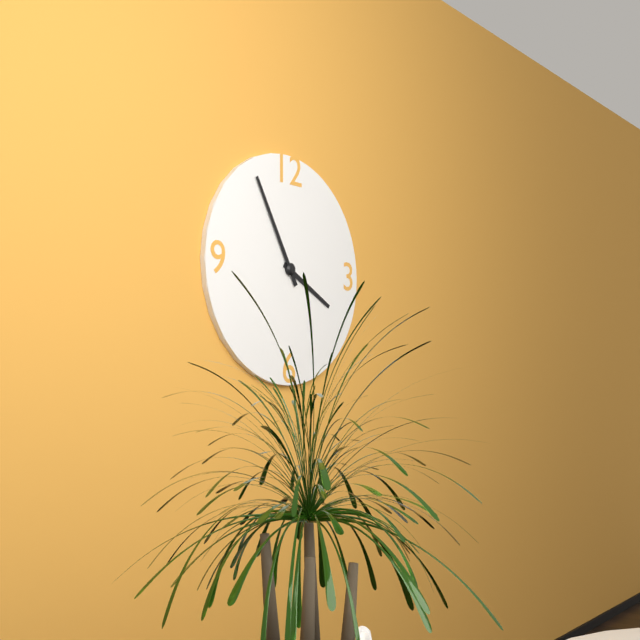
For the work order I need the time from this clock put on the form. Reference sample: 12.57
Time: 3.55
